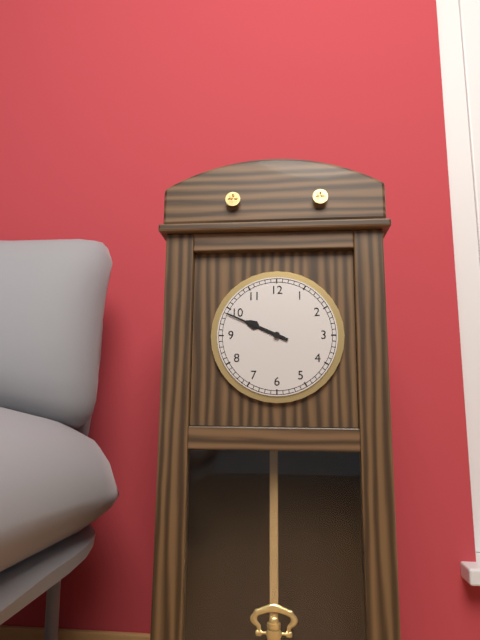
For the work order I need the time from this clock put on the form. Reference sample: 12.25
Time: 9.49
